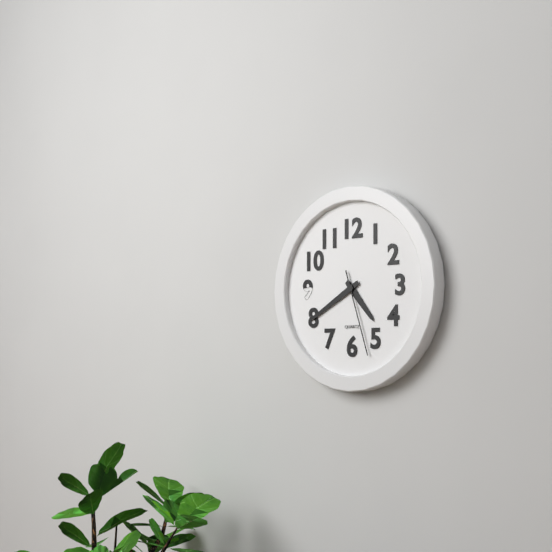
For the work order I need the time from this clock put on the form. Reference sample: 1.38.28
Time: 4.40.27
